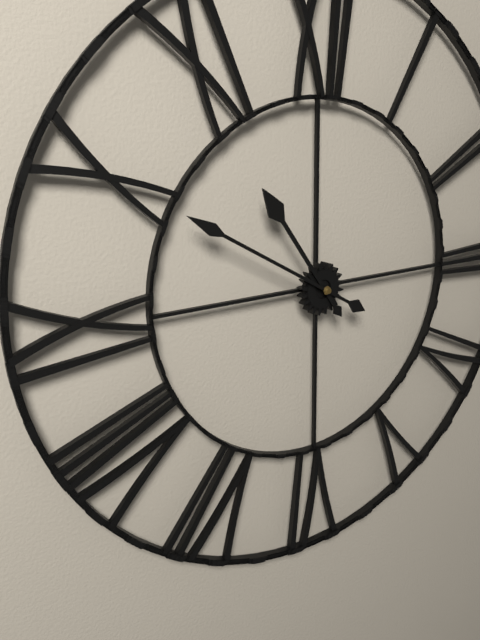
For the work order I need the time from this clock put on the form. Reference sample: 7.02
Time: 10.50
